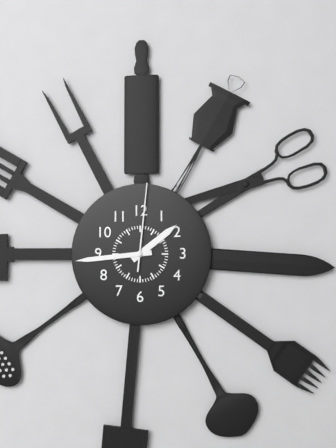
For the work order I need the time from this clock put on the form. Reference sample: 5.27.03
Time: 1.44.01
